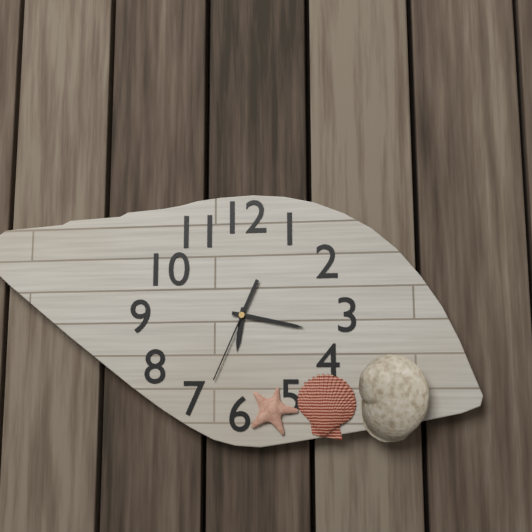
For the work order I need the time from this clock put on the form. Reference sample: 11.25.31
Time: 6.17.34
